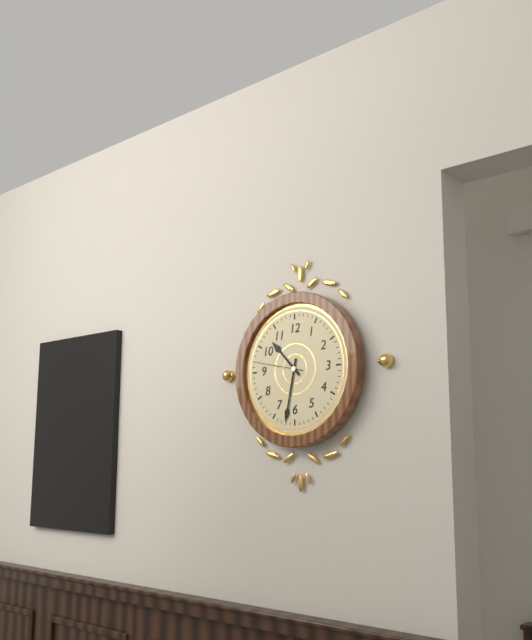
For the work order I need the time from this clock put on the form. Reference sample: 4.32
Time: 10.32
